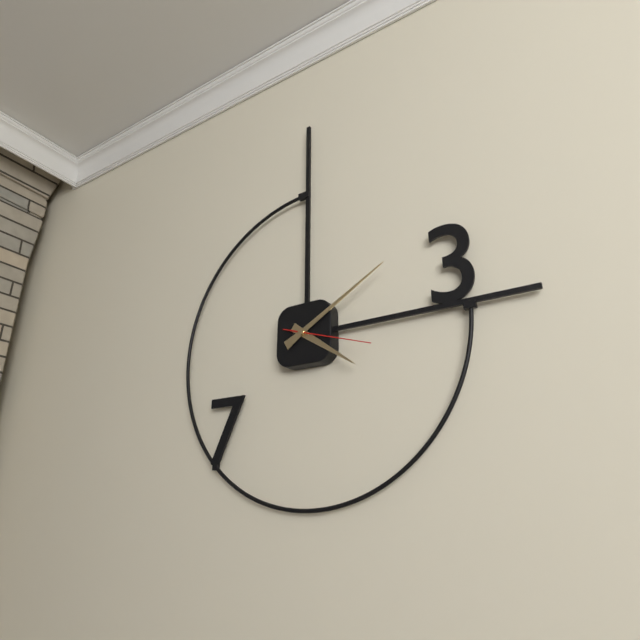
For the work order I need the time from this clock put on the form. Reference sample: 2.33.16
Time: 4.10.18
